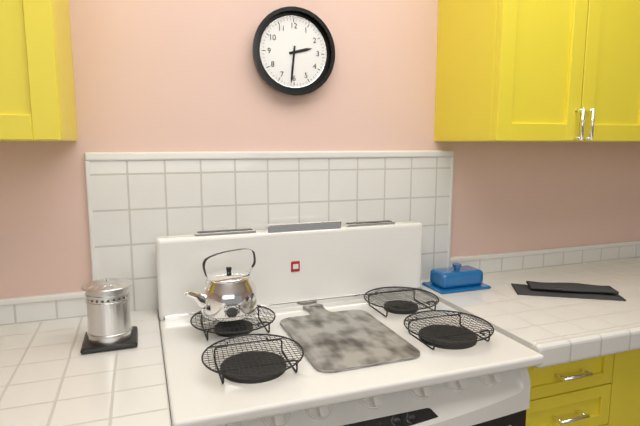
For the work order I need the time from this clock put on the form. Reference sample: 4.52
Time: 2.31
